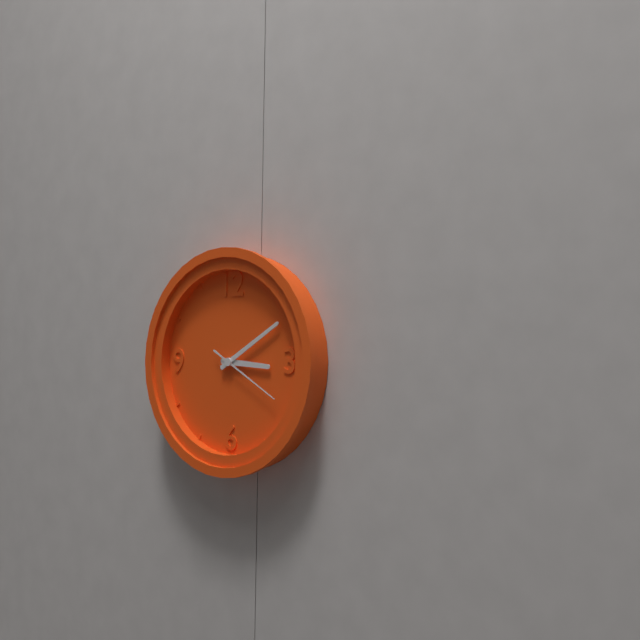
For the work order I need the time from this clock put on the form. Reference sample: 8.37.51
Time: 3.10.20
